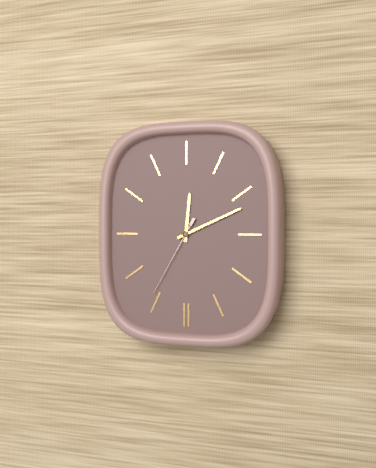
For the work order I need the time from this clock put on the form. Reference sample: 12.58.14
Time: 12.11.35
